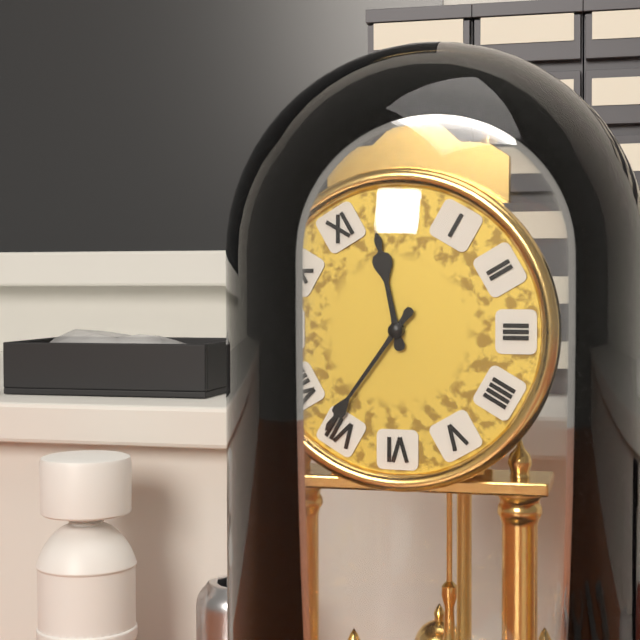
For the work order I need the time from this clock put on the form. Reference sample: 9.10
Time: 11.36
